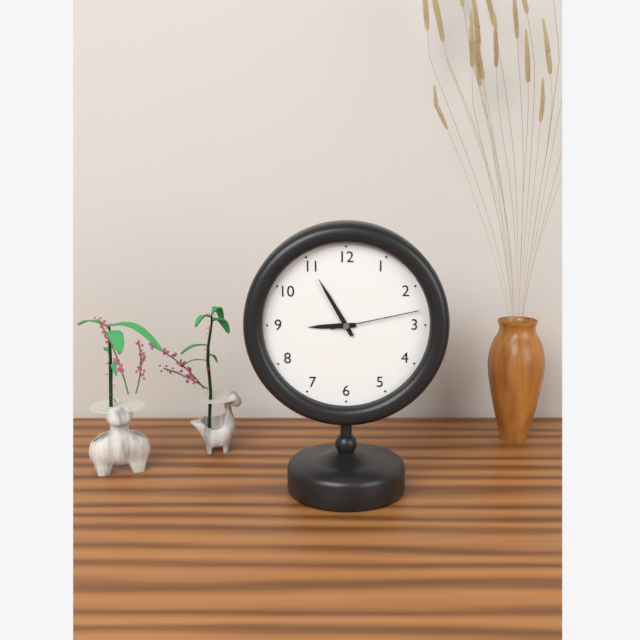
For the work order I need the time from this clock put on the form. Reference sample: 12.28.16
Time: 8.55.13
